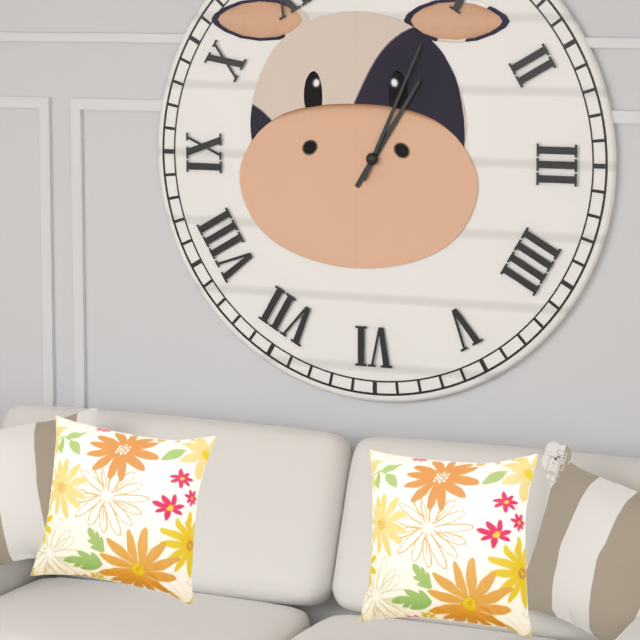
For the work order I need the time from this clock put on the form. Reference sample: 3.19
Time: 1.04
